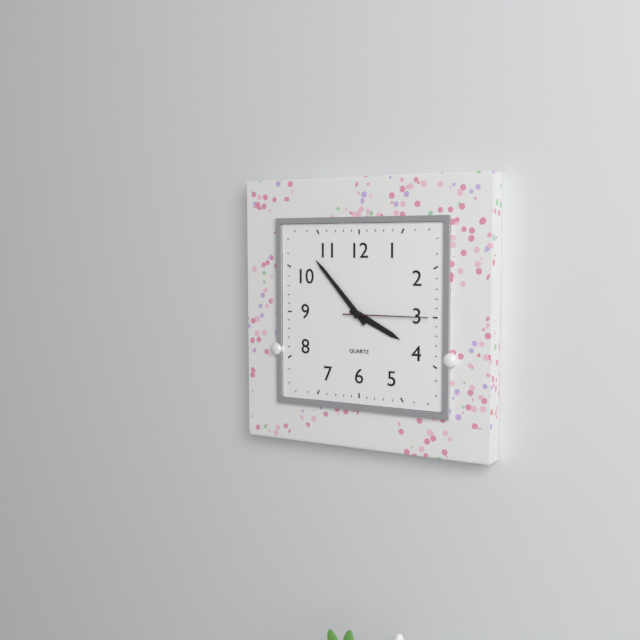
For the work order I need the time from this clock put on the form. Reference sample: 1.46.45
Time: 3.53.15
